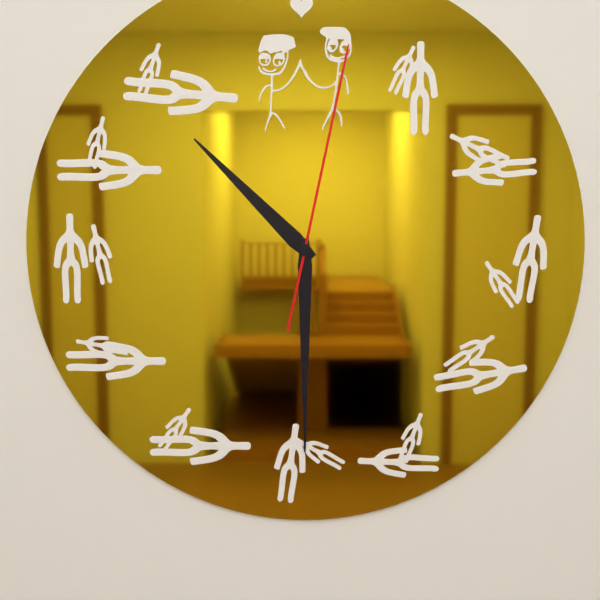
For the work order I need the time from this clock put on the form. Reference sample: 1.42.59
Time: 10.30.02
